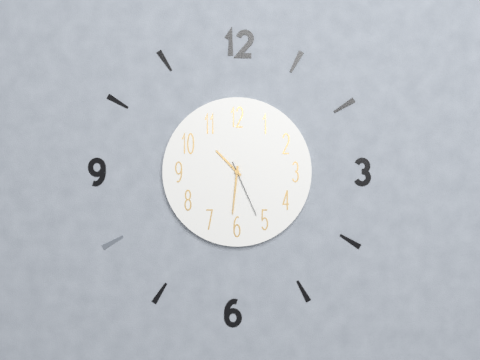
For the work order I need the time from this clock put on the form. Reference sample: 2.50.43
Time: 10.31.26
